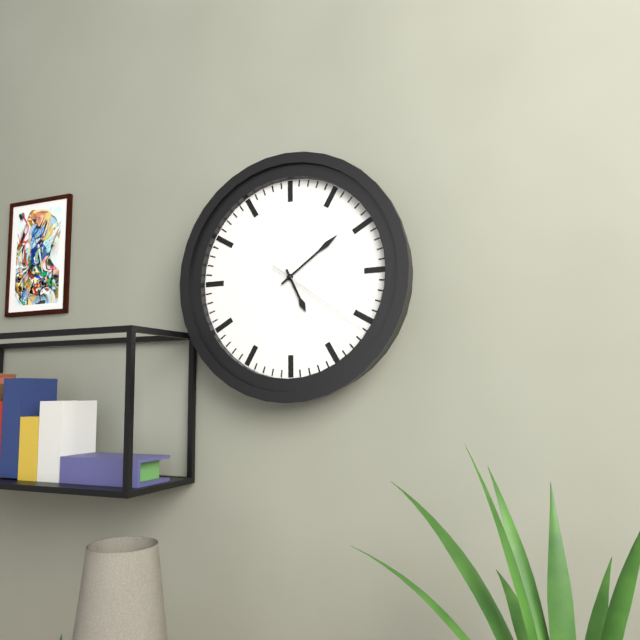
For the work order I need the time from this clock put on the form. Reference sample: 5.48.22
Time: 5.09.21
